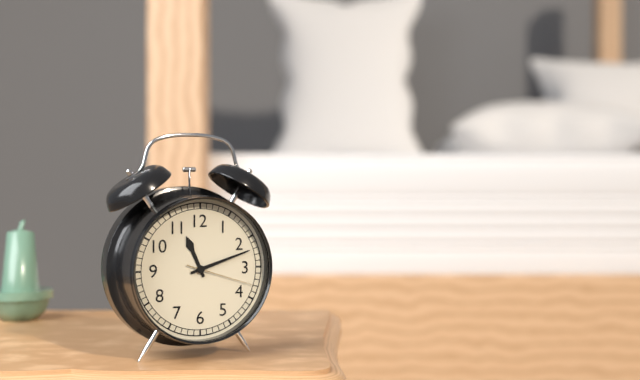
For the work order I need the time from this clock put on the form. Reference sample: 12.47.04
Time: 11.12.18
